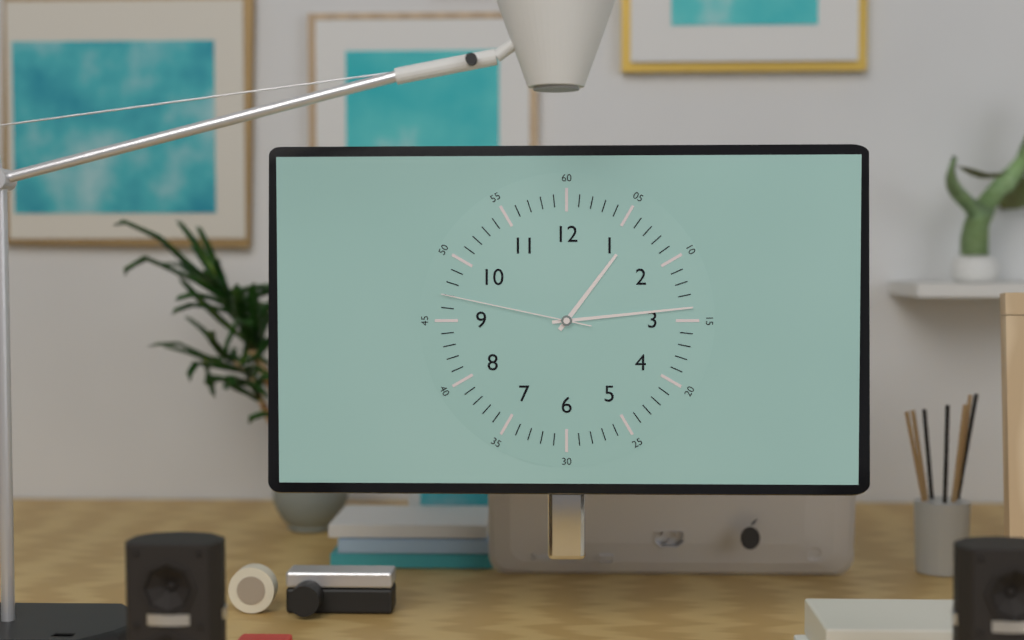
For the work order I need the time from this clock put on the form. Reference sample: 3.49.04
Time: 1.14.47
